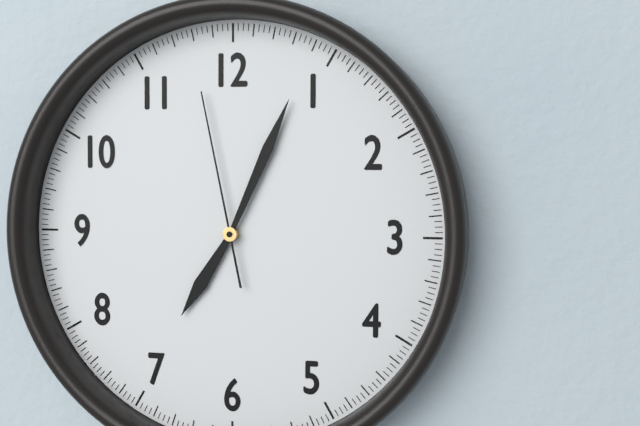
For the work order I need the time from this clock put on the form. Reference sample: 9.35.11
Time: 7.04.58
